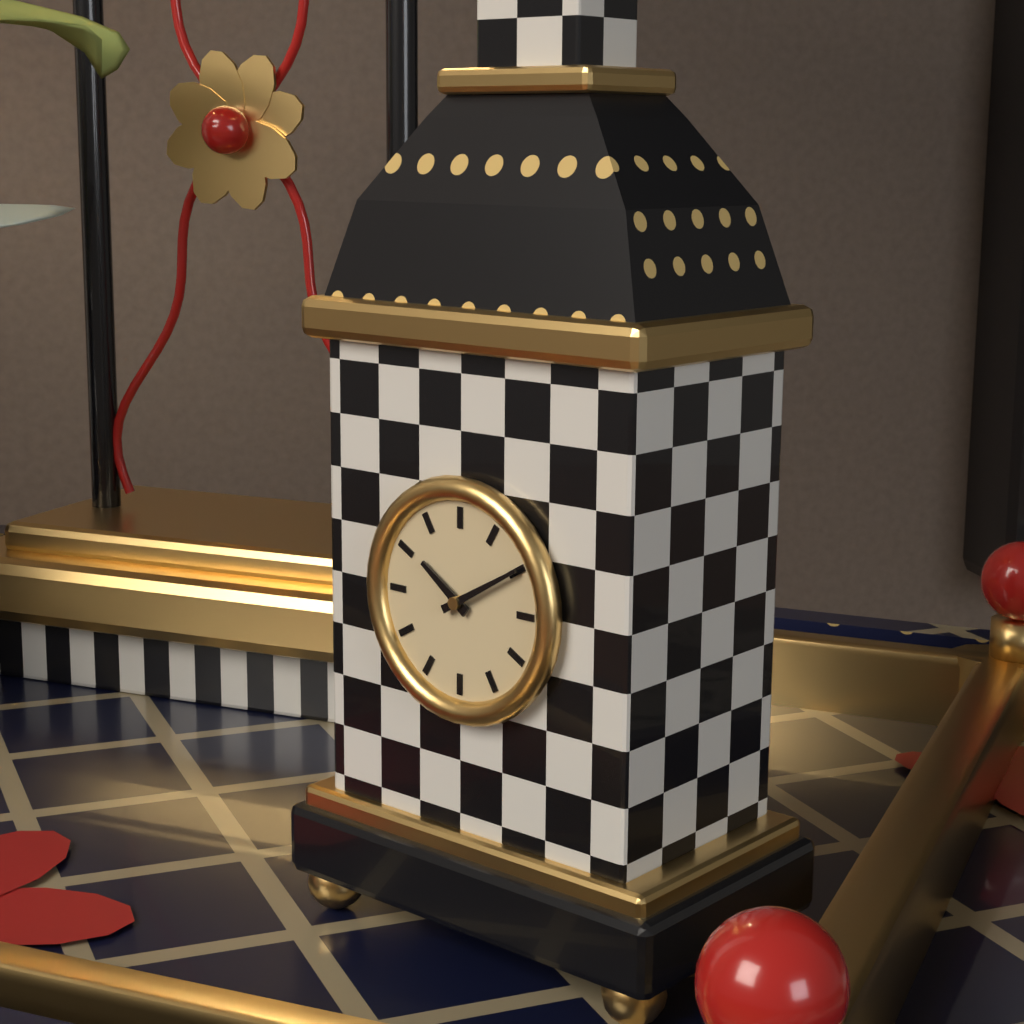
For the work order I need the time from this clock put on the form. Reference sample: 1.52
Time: 10.10
